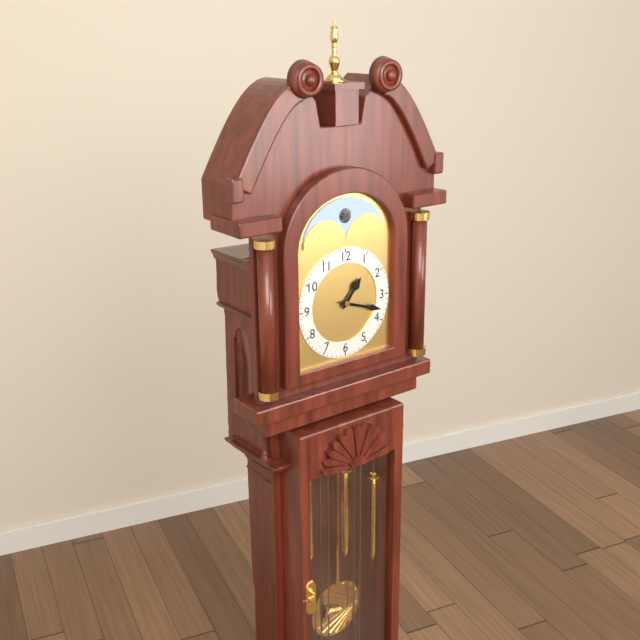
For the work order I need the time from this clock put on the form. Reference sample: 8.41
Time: 1.18
